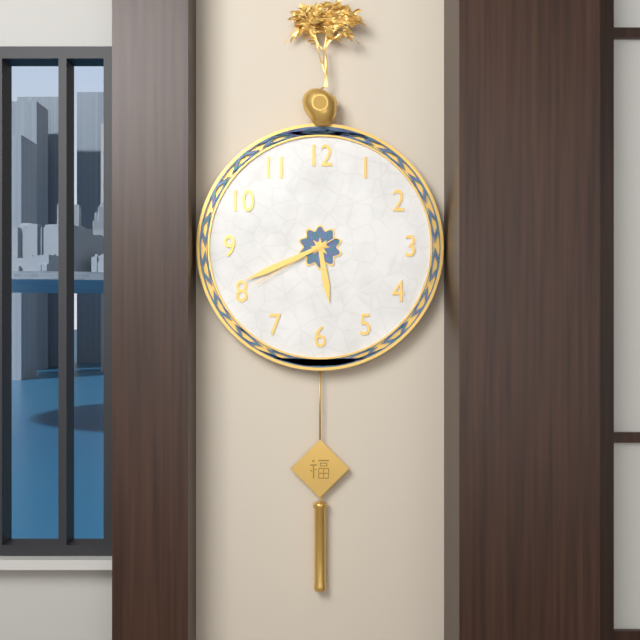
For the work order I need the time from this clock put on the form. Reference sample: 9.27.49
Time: 5.41.40
